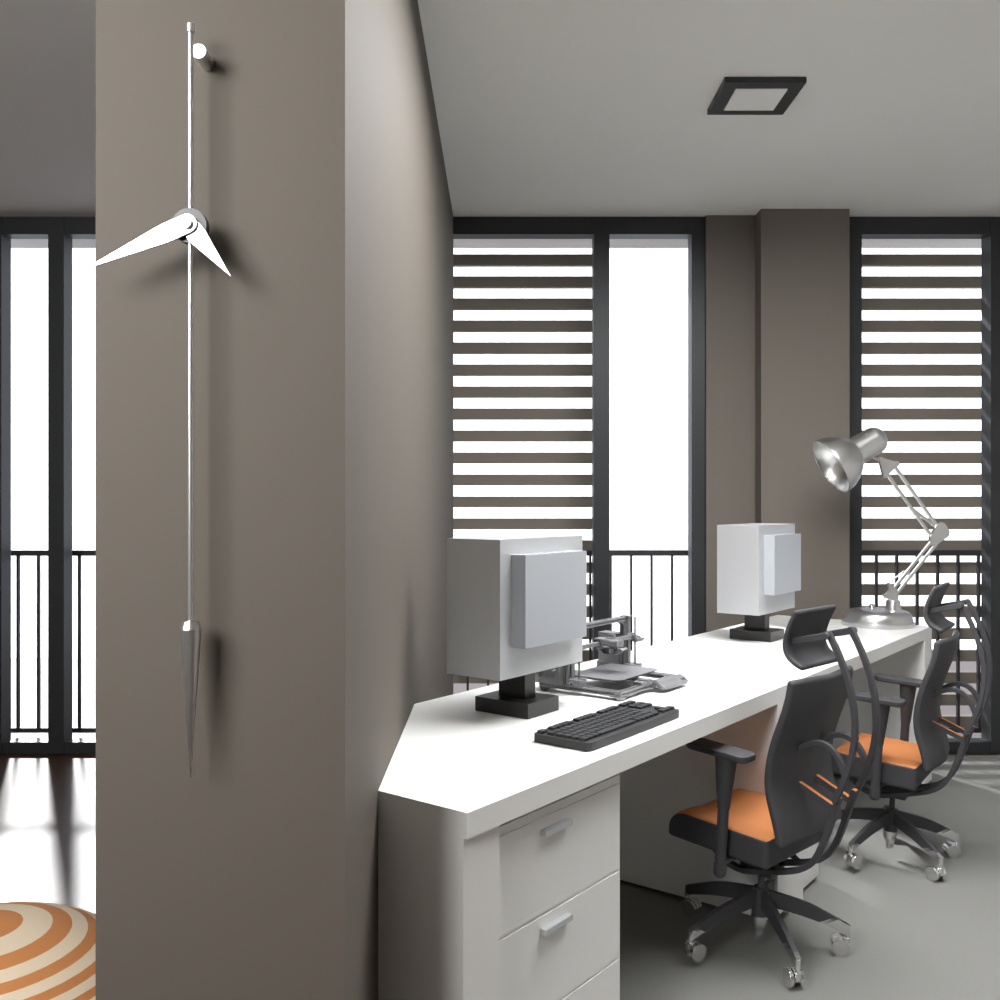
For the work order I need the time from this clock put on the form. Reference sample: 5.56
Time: 4.41
